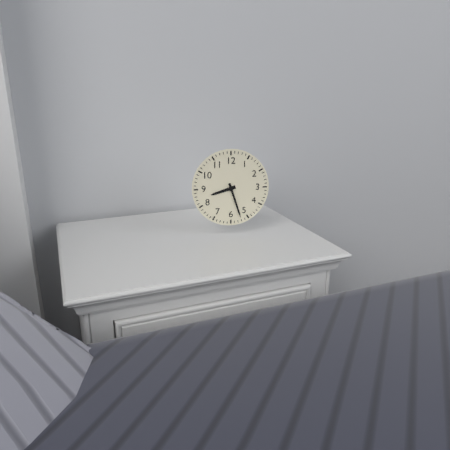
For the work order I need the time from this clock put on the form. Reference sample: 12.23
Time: 8.27
